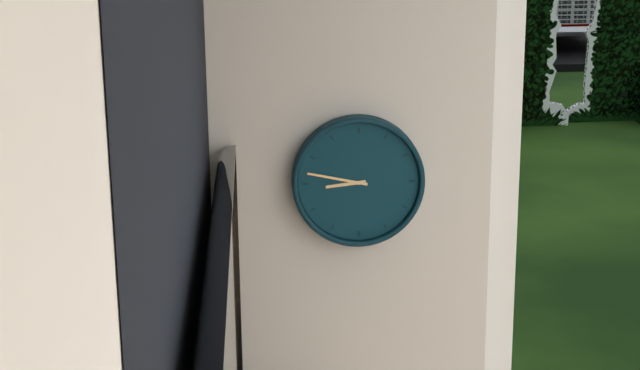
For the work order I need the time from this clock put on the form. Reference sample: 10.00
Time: 8.47
